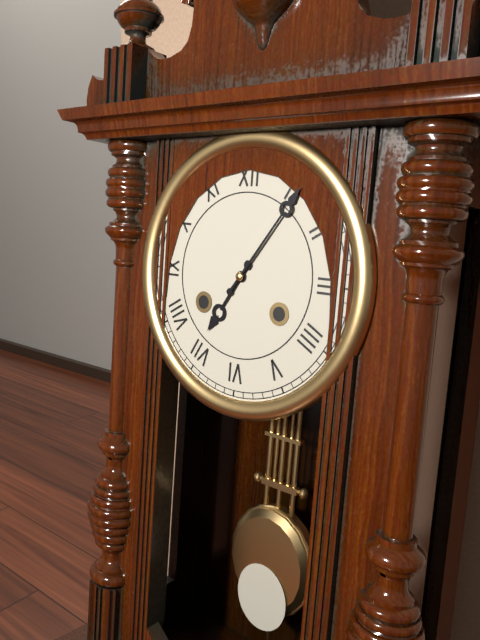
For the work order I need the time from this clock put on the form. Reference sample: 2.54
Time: 7.06
